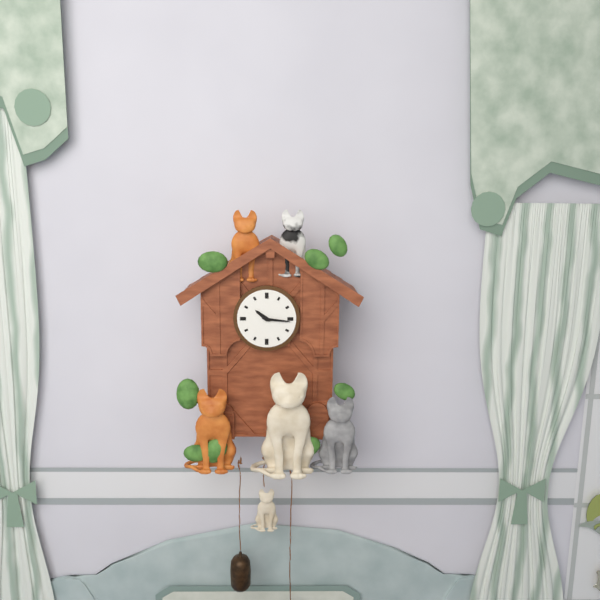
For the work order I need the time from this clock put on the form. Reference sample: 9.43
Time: 10.16
